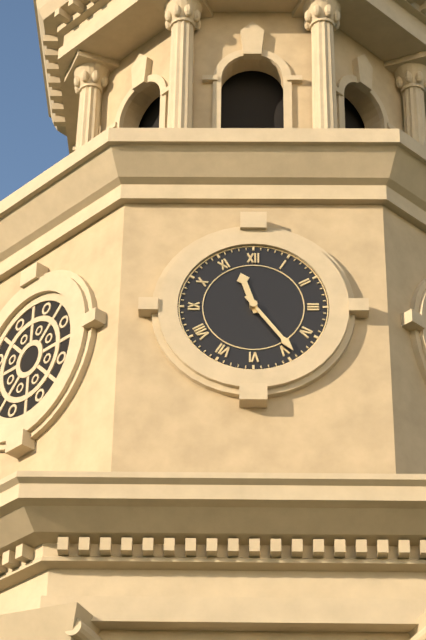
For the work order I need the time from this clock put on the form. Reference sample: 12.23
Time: 11.24
